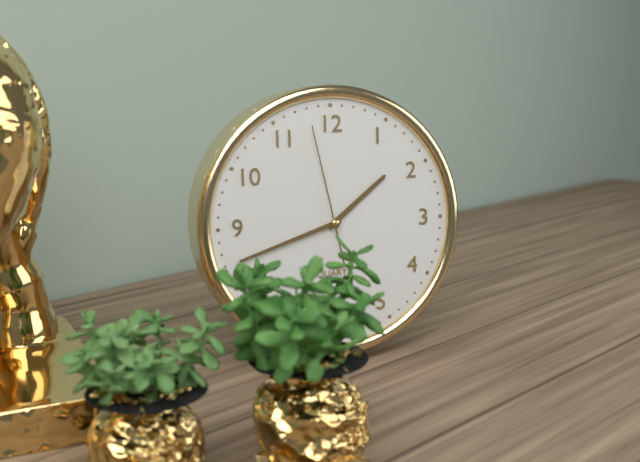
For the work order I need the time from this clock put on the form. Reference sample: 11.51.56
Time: 1.42.58
